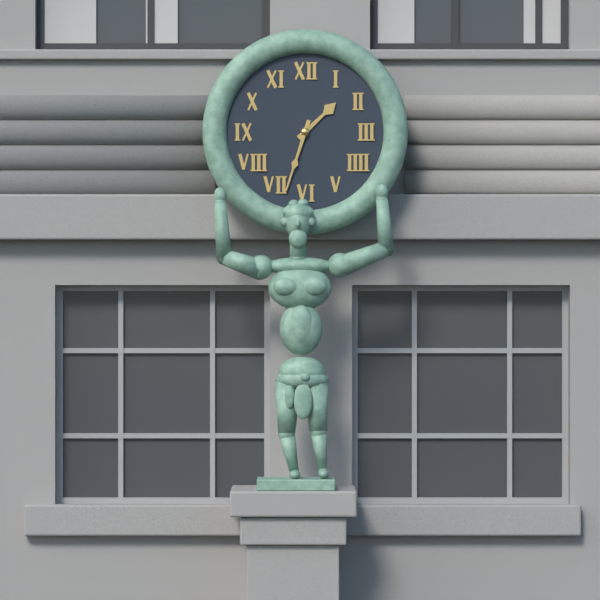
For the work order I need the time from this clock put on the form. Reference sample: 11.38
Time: 1.33
